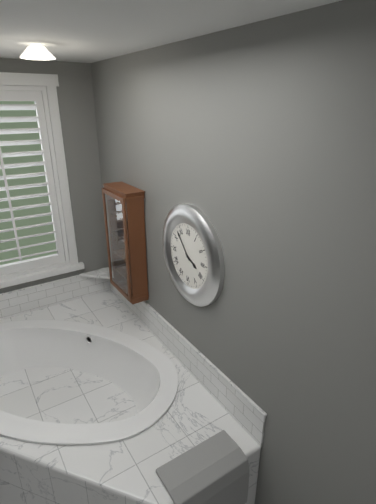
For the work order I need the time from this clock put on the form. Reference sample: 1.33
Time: 3.53
